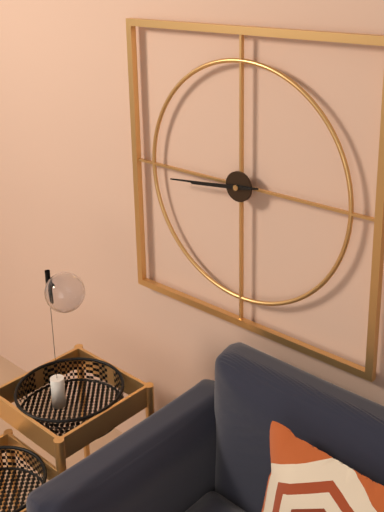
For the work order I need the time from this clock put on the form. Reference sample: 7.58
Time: 8.44
